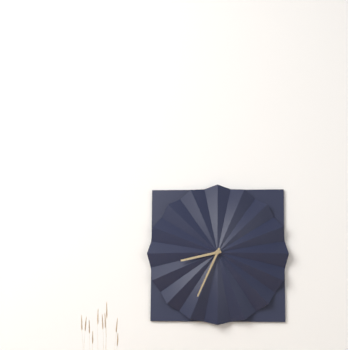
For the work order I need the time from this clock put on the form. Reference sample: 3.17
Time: 8.34
